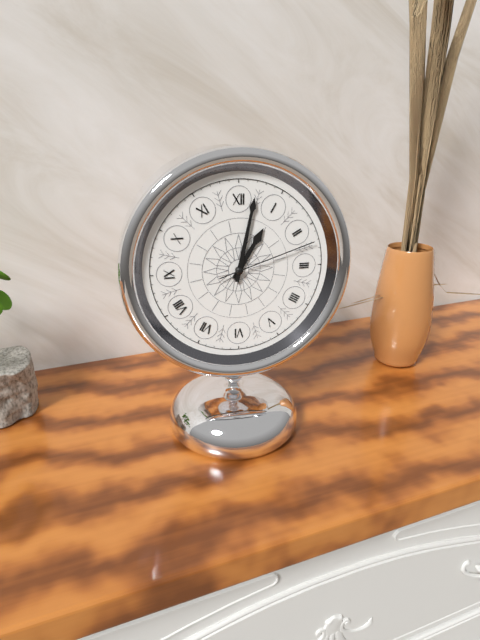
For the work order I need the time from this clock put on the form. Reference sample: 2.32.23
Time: 1.02.12
